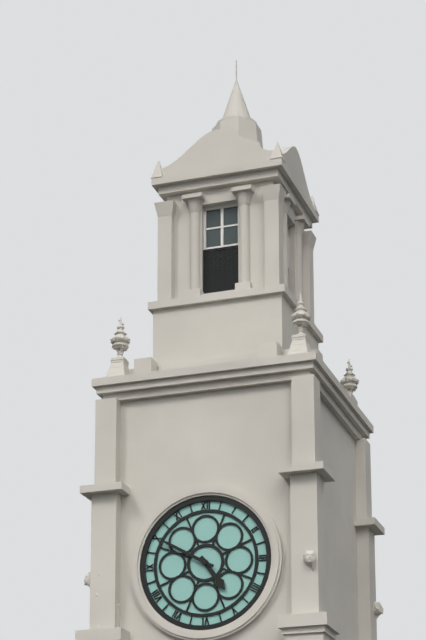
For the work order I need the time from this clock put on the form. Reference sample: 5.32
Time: 4.50
